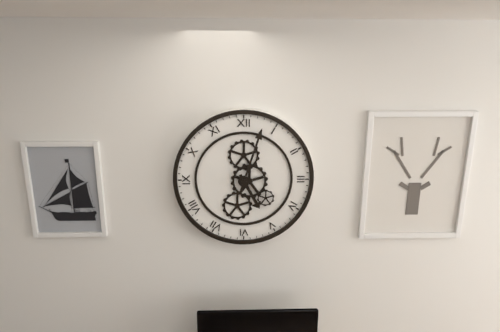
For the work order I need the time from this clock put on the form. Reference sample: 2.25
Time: 5.03
